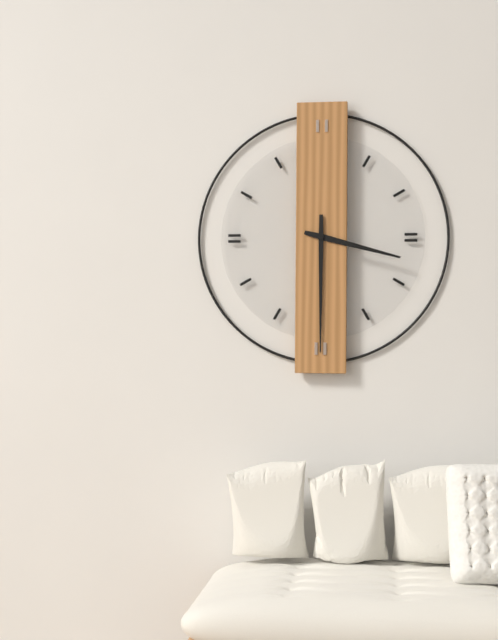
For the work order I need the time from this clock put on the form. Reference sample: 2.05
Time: 3.30
